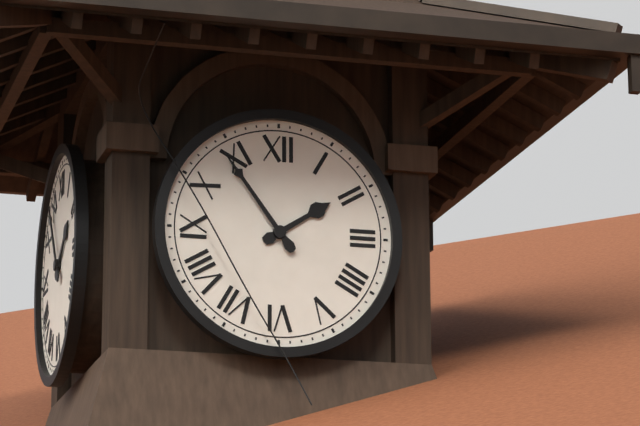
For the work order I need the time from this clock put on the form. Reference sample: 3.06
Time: 1.54
